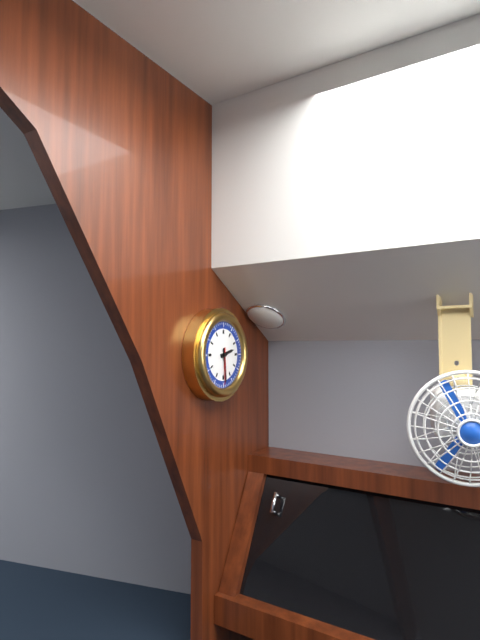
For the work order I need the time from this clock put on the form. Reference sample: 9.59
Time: 2.29
